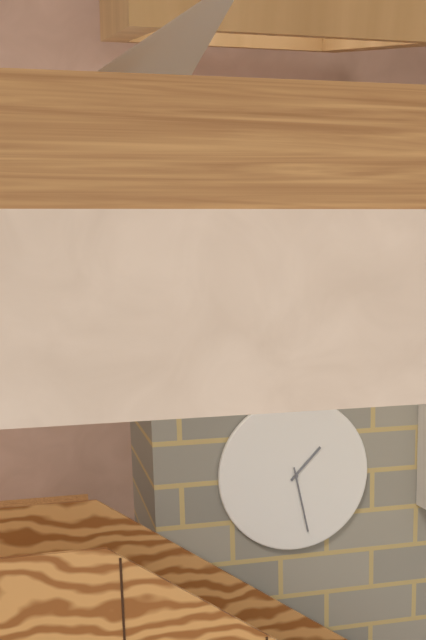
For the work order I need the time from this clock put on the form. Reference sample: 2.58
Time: 1.28
